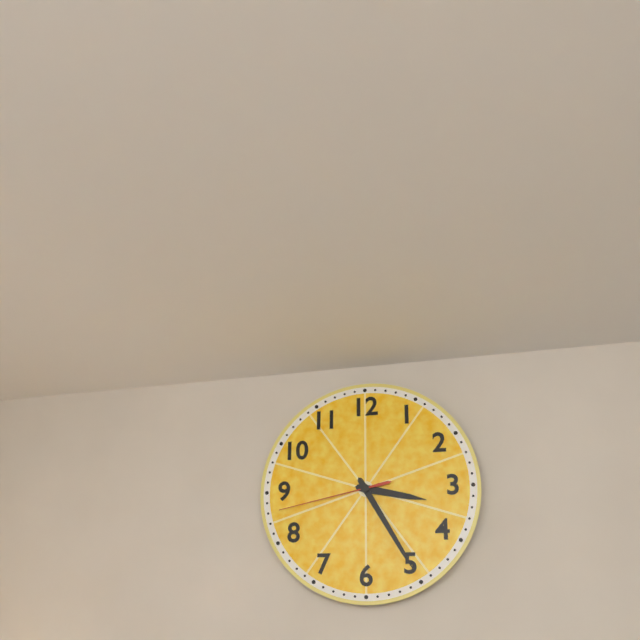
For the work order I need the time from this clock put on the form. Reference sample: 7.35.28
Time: 3.25.43
